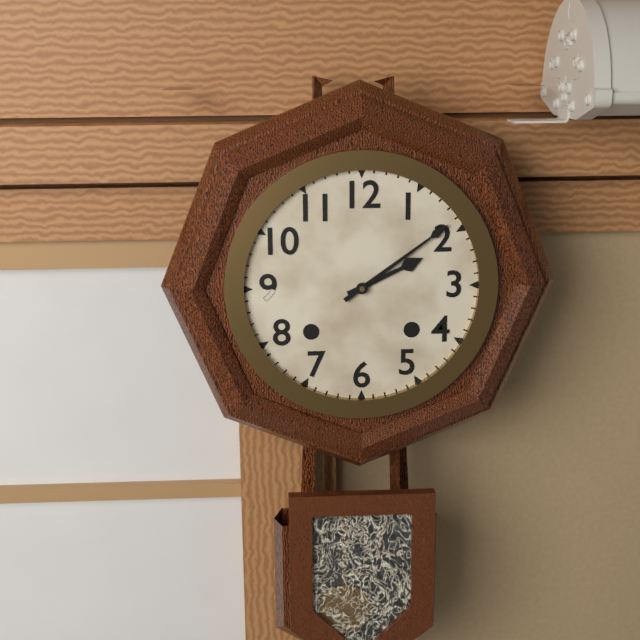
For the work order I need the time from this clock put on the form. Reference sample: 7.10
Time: 2.09
